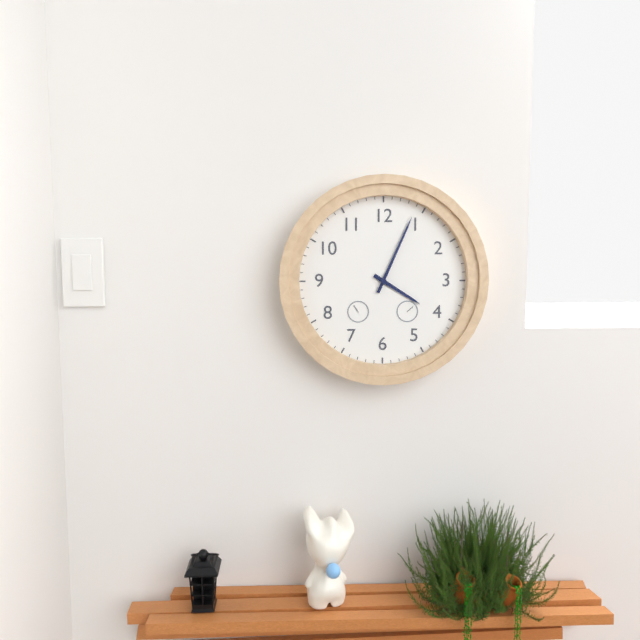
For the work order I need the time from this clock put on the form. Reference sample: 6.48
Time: 4.04
